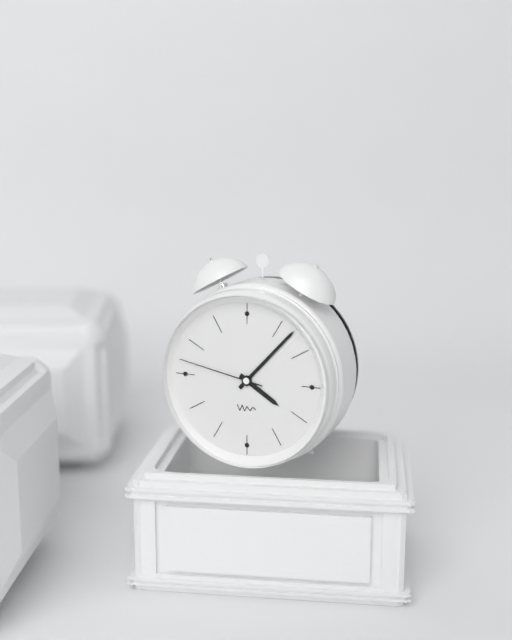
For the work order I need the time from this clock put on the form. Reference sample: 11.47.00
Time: 4.07.47
